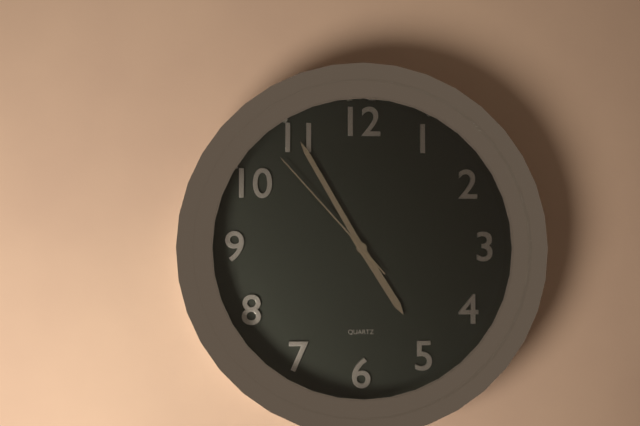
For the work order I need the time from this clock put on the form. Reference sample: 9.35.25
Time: 4.55.53
